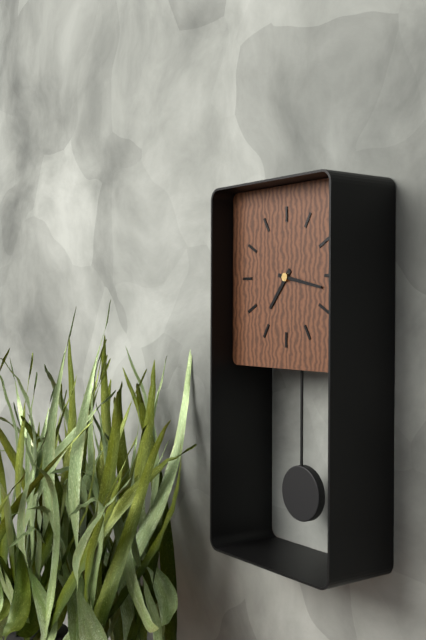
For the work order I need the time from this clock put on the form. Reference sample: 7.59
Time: 7.17
